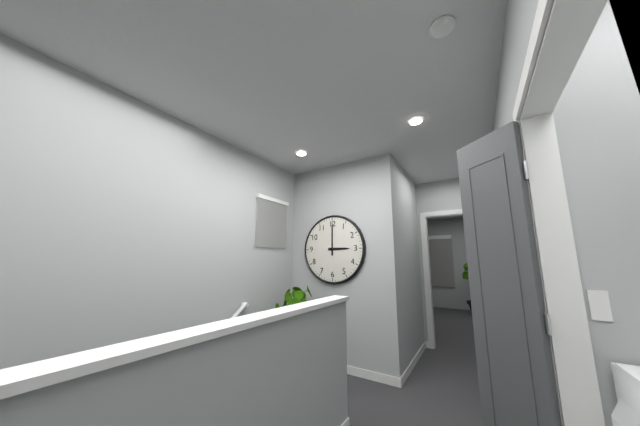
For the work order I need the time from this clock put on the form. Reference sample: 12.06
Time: 3.00
